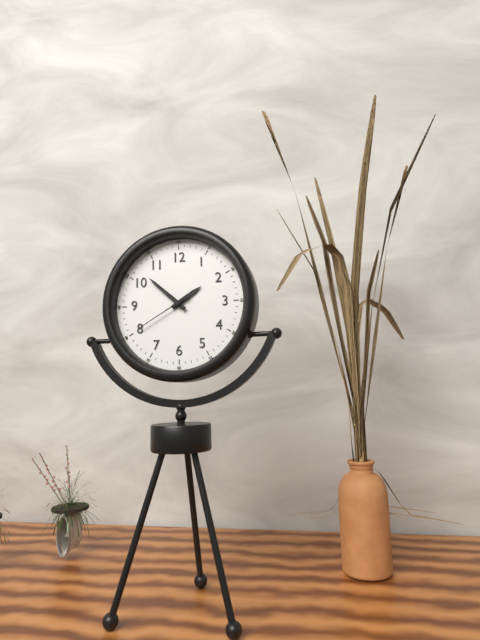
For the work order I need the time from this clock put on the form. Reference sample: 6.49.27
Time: 1.52.40
